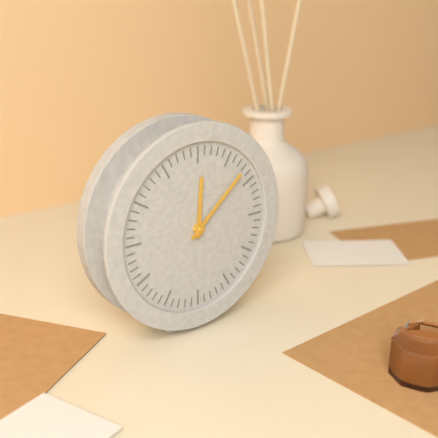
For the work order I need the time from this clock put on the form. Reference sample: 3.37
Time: 12.08
